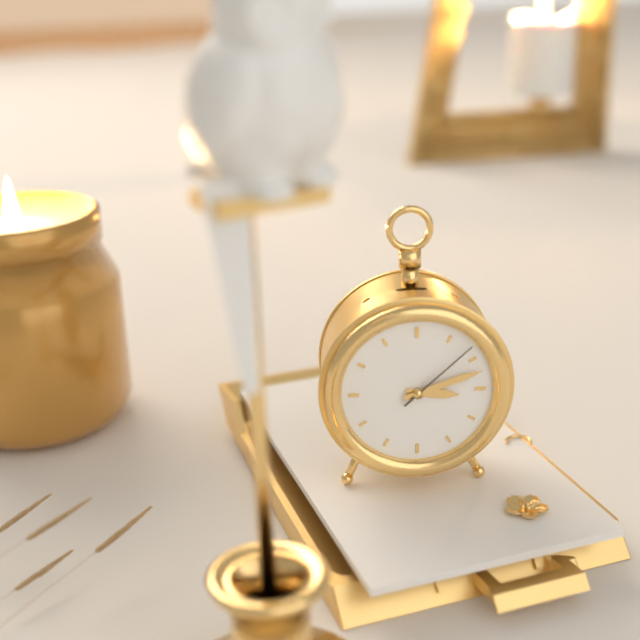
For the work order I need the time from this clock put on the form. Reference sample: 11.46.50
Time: 3.12.08
